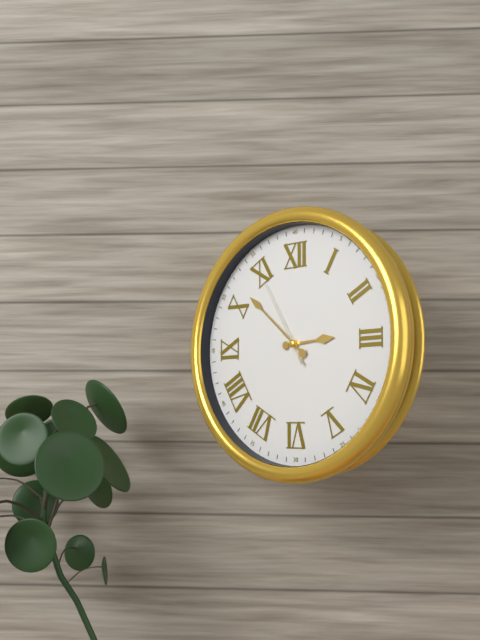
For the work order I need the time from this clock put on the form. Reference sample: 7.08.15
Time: 2.52.55
